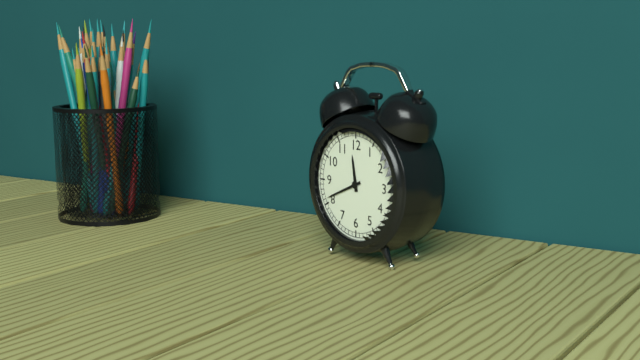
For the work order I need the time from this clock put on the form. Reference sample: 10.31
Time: 11.41
